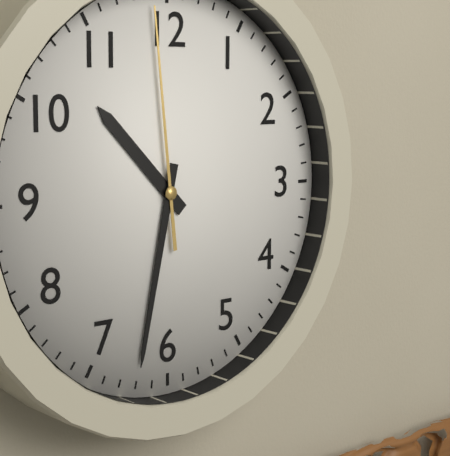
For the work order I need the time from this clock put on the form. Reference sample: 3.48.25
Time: 10.32.59
